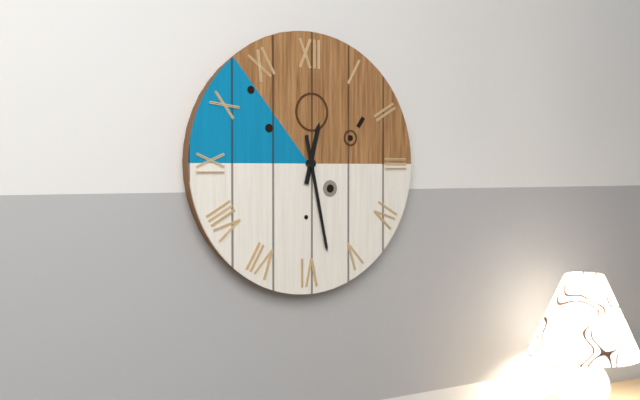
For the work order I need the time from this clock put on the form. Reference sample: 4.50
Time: 12.28
